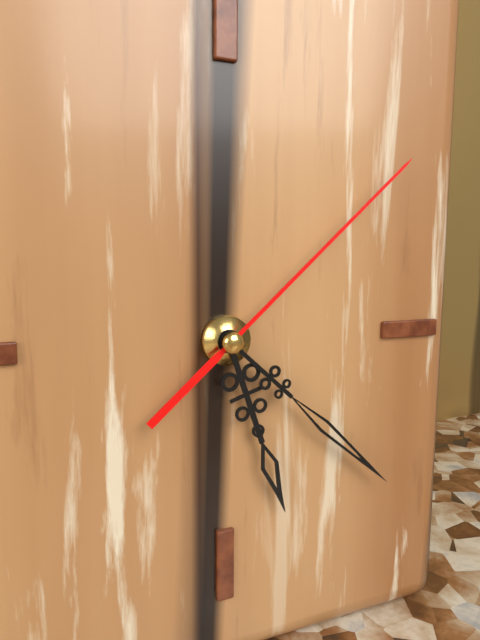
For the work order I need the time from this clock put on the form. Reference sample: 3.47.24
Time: 5.22.08
